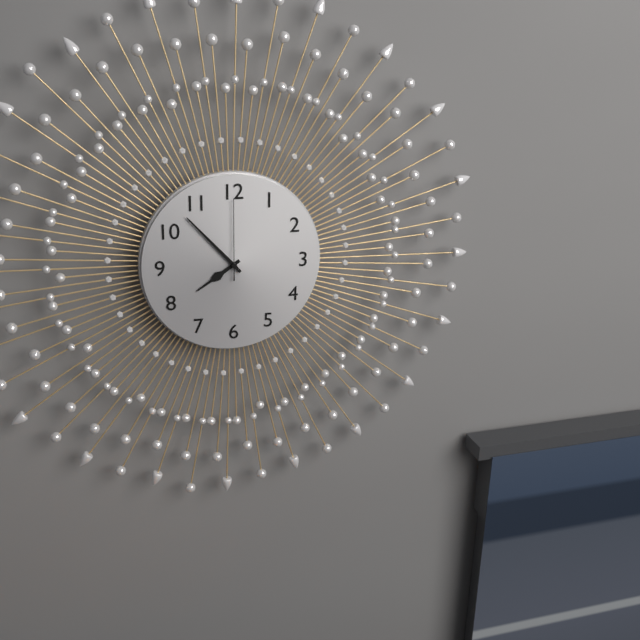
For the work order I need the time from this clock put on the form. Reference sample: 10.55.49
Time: 7.53.00
